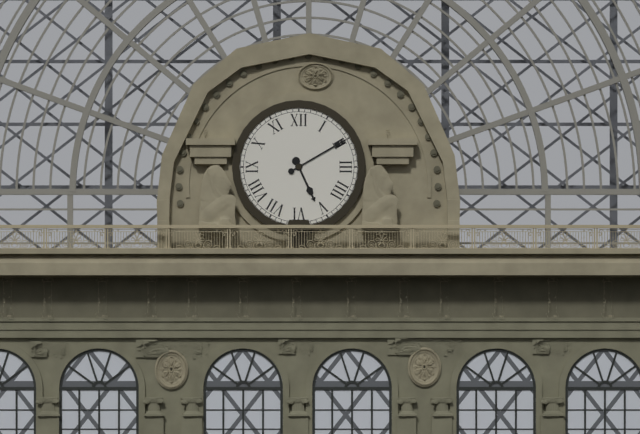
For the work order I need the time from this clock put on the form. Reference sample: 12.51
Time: 5.10
